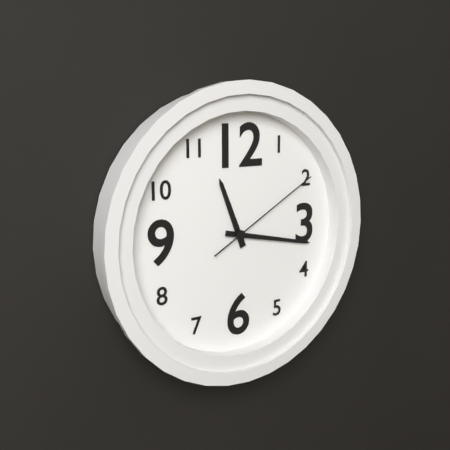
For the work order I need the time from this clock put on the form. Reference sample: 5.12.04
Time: 11.17.10
